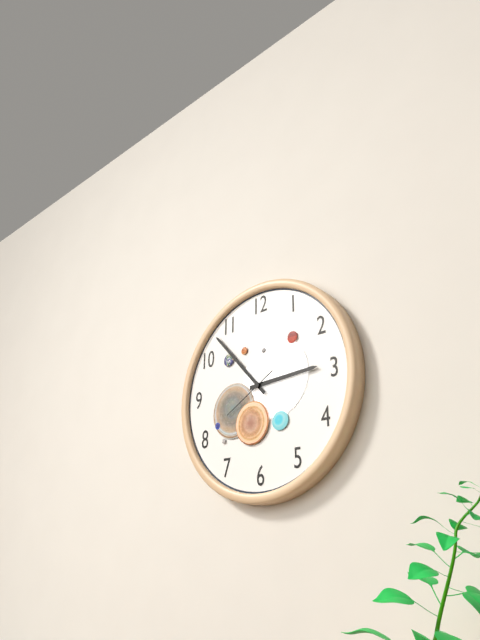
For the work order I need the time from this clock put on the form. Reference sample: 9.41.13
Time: 2.53.40
